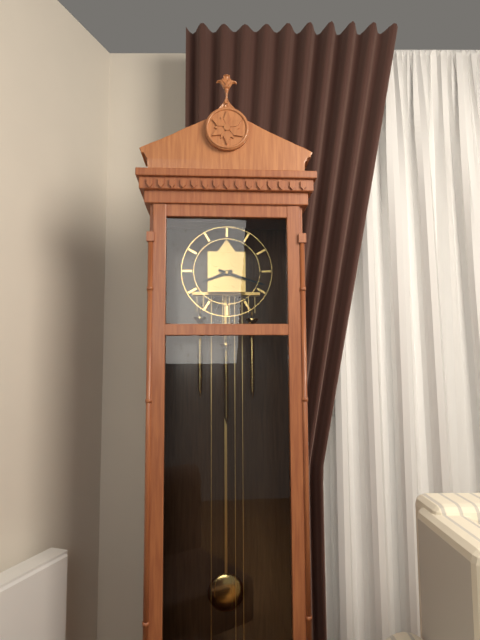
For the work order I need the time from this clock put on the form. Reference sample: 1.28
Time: 8.18
